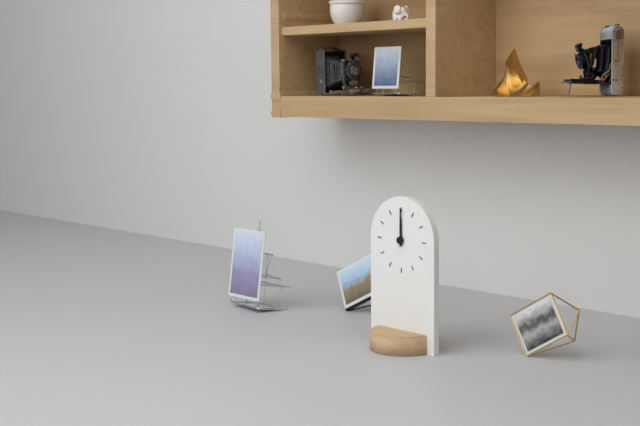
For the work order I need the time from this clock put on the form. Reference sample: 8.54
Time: 12.00
